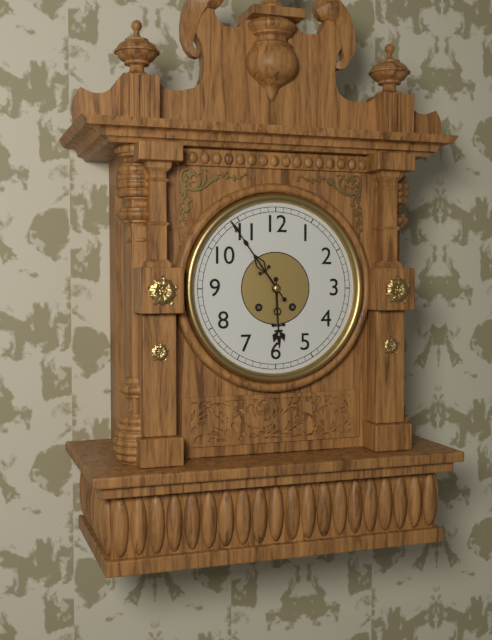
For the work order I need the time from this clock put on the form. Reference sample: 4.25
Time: 5.54
